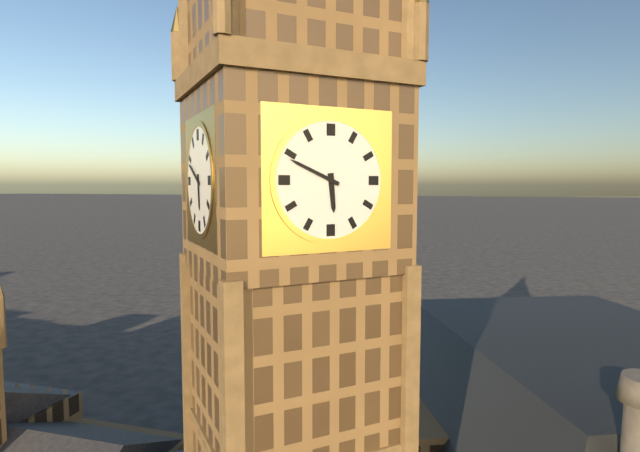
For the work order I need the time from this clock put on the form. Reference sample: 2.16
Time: 5.49
